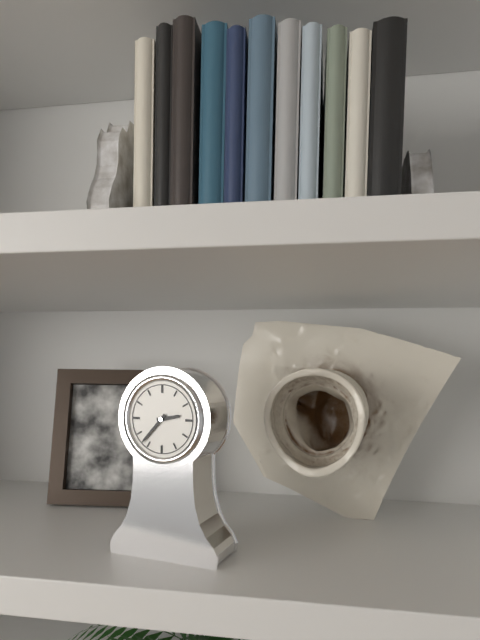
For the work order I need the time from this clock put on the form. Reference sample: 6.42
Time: 2.37
